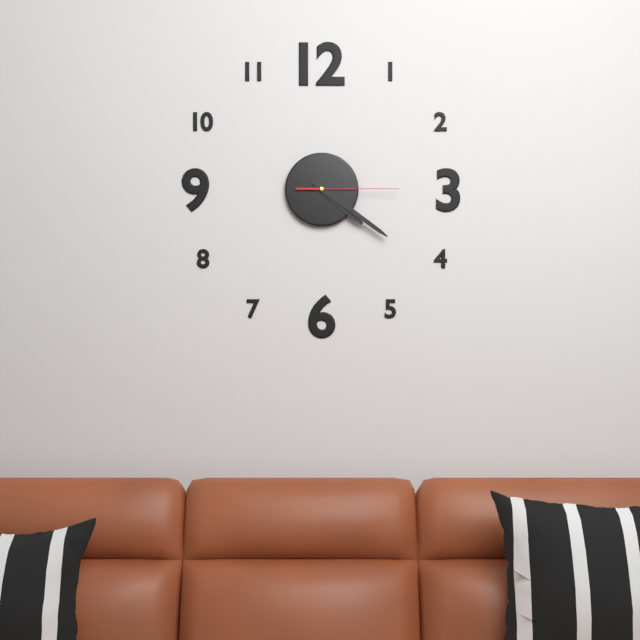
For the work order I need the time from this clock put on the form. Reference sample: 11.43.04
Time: 4.21.15
